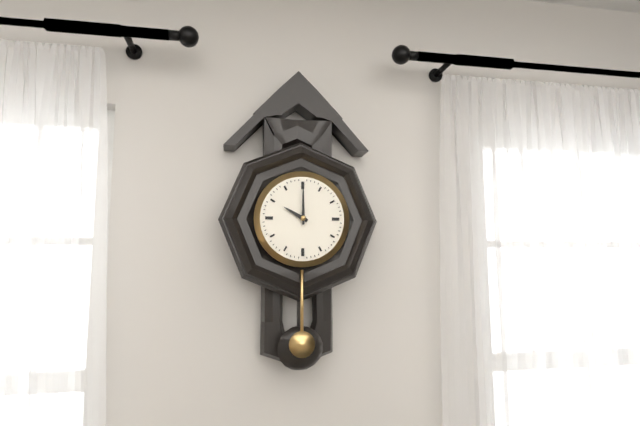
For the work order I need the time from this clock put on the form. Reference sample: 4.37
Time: 10.00
